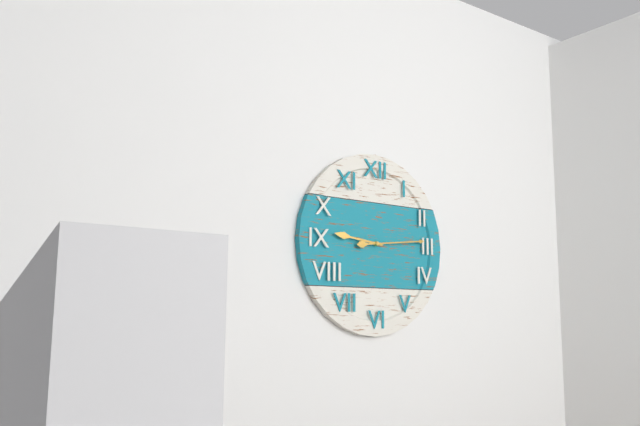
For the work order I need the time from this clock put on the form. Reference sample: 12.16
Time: 9.14
